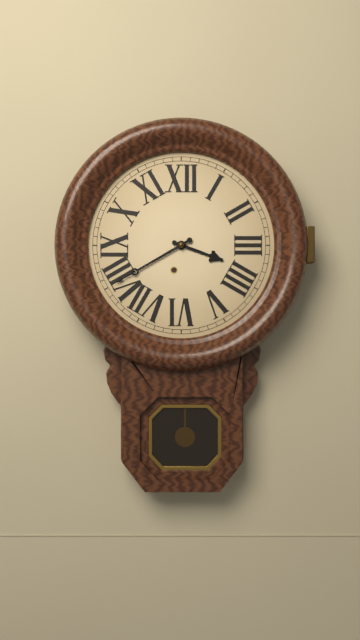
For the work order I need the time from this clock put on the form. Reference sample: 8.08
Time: 3.40
